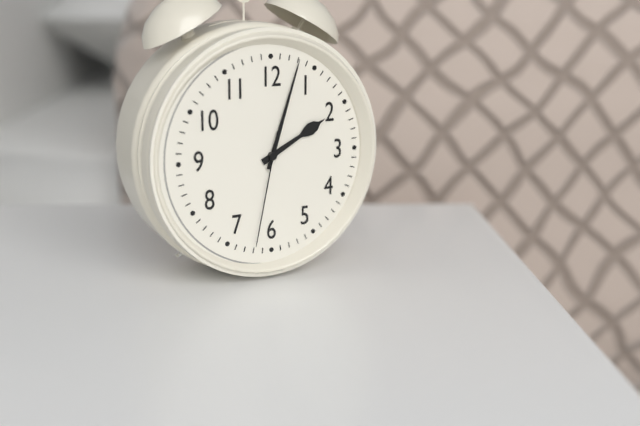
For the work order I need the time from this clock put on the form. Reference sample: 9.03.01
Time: 2.03.32
